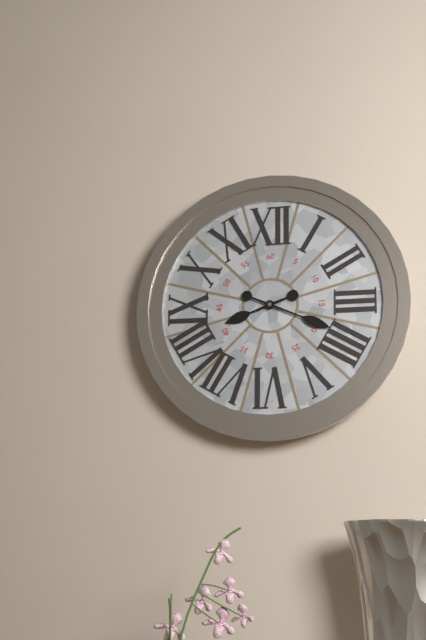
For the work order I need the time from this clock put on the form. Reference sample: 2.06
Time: 8.19
